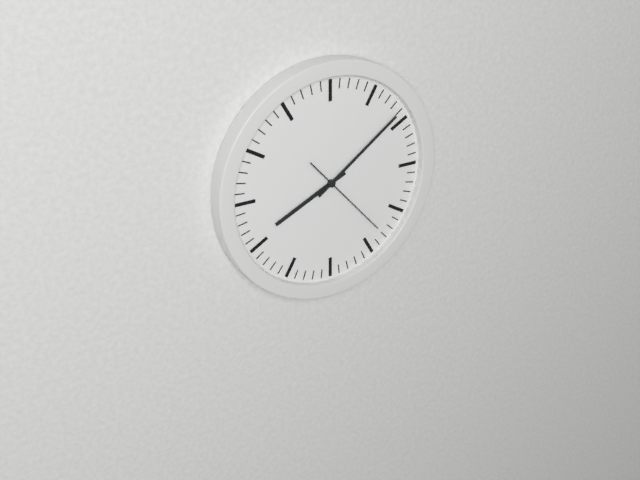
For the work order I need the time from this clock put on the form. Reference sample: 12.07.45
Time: 8.09.23
